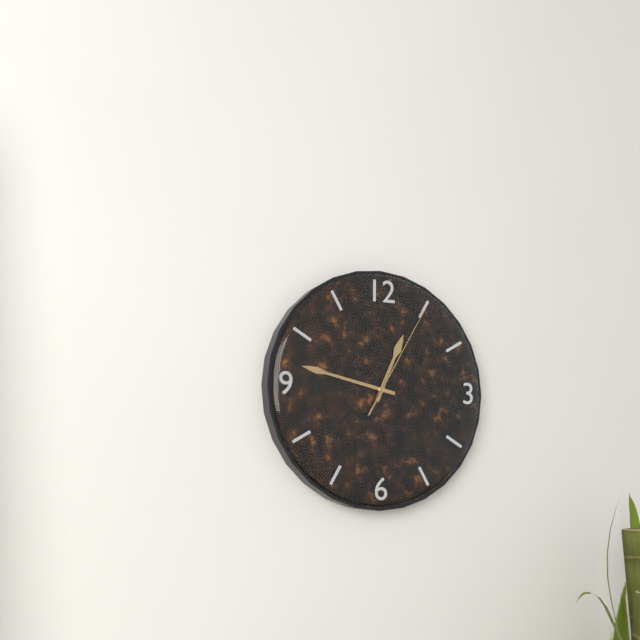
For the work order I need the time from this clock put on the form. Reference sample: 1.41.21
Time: 12.47.05
